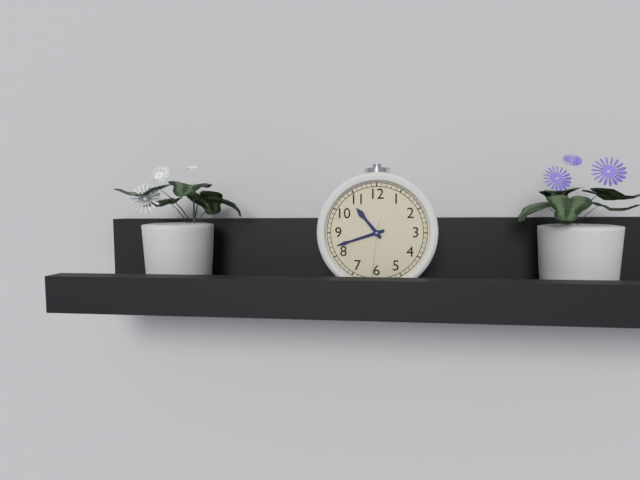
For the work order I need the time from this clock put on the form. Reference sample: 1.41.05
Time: 10.42.31
